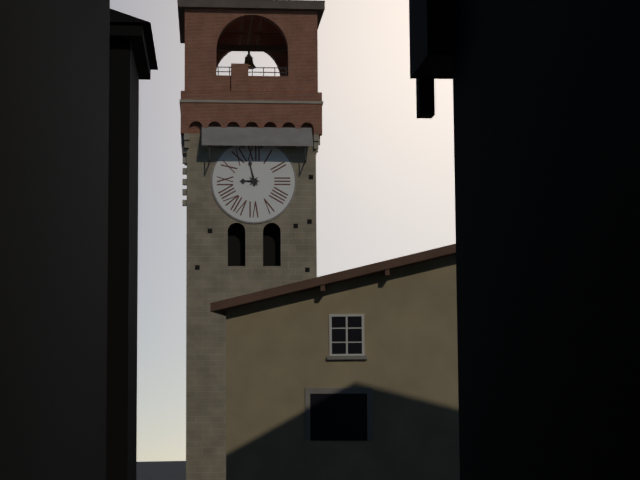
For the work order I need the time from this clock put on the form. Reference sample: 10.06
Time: 8.58
